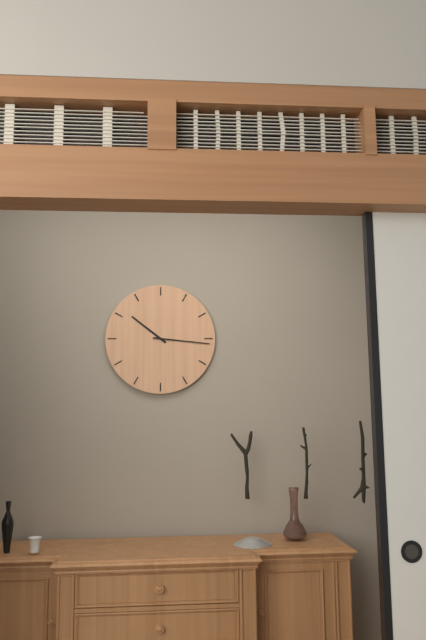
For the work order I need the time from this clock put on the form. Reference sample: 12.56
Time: 10.16
